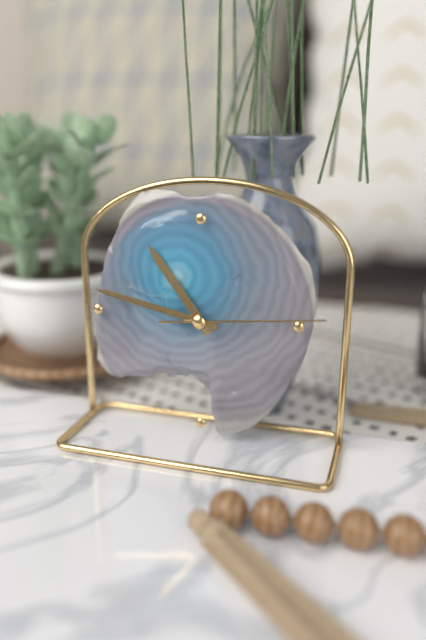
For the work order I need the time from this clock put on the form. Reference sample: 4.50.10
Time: 10.47.14
